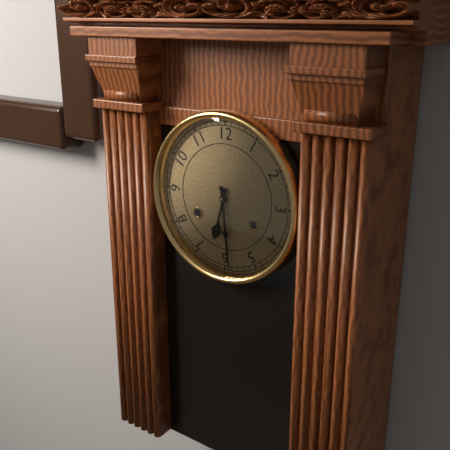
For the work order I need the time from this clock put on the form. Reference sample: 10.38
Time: 6.29
